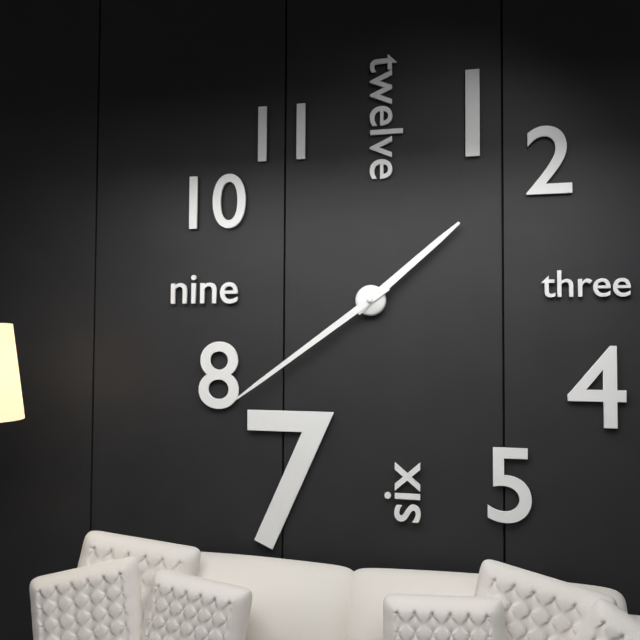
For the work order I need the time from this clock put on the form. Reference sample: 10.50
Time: 1.39
